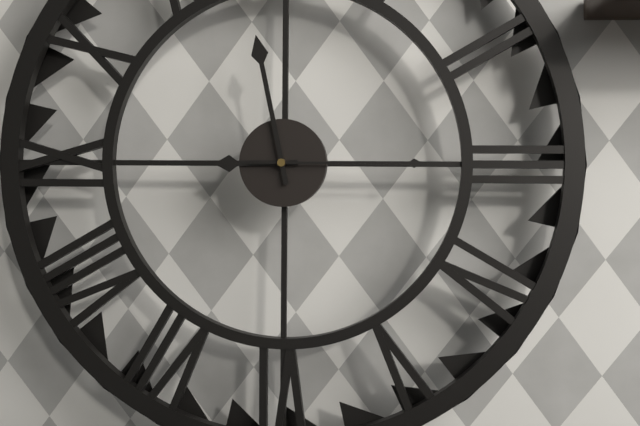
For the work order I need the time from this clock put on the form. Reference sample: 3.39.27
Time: 8.58.15
